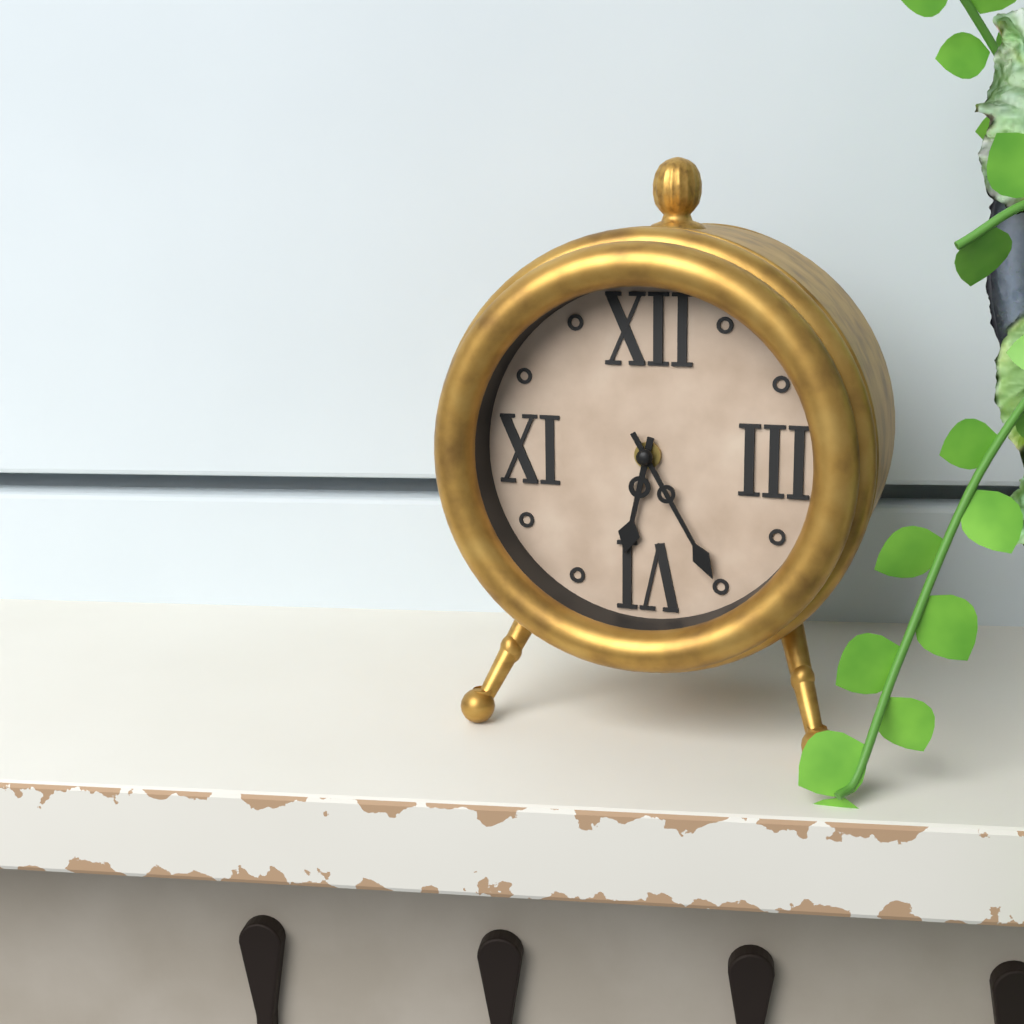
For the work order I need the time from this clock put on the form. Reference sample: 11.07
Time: 6.25
